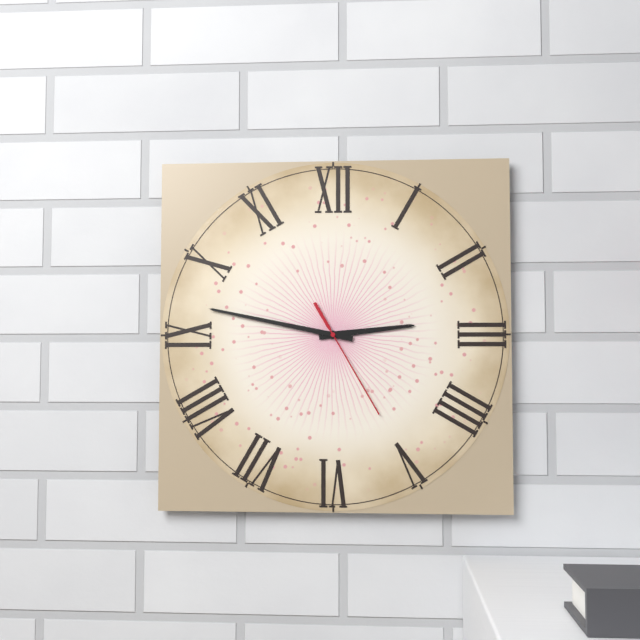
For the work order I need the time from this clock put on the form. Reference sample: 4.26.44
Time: 2.47.25
